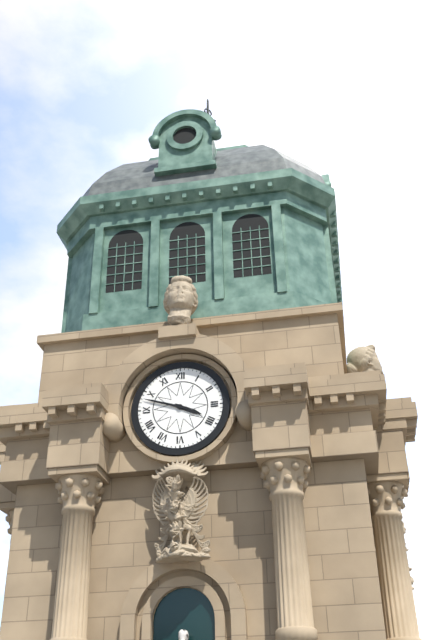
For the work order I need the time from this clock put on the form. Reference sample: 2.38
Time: 3.48
